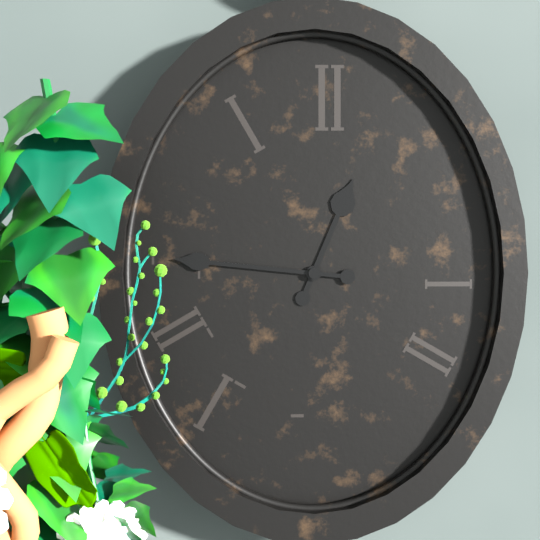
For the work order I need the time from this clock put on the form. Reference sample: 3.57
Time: 12.46
